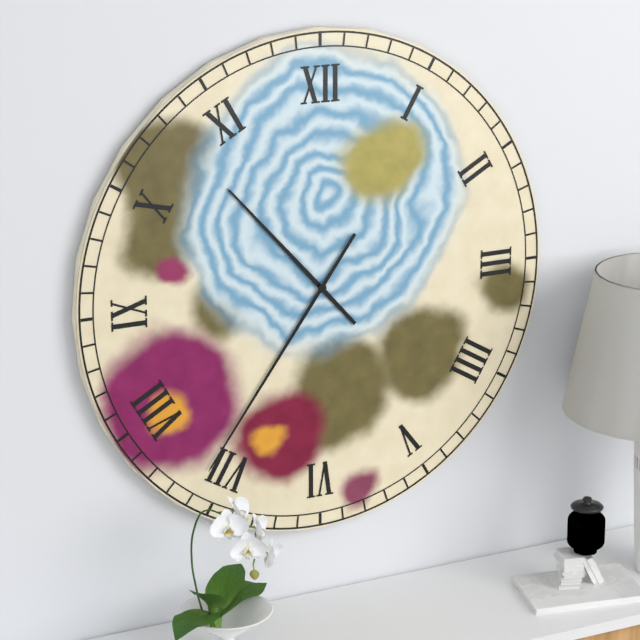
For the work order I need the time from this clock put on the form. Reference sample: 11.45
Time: 10.36
